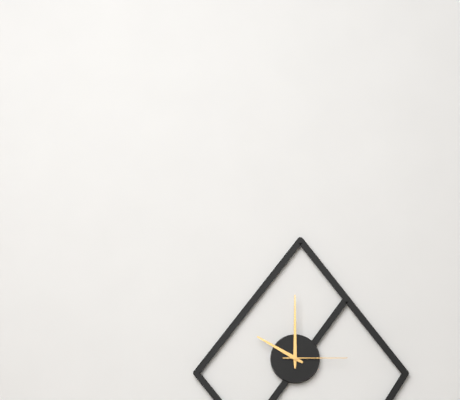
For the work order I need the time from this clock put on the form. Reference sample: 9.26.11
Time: 10.00.15
